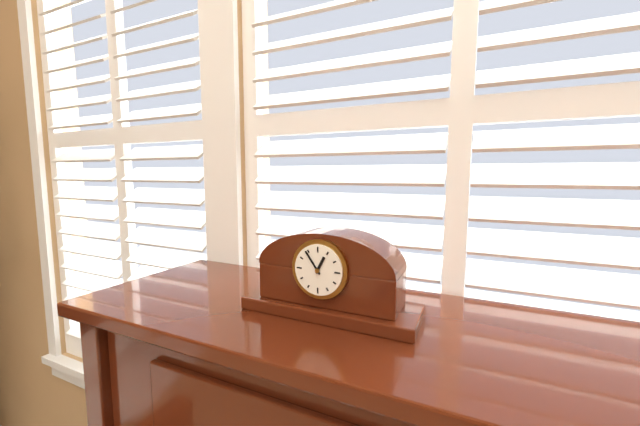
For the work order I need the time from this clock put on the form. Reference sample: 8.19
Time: 12.54
